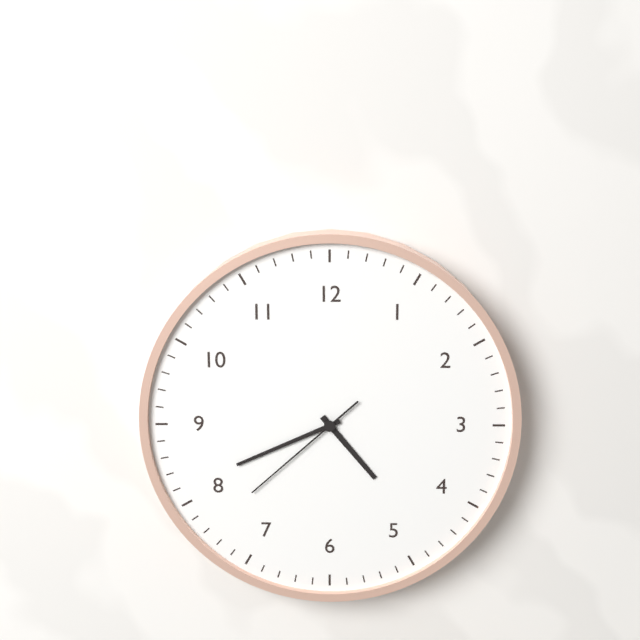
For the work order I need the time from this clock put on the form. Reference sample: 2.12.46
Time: 4.41.38
